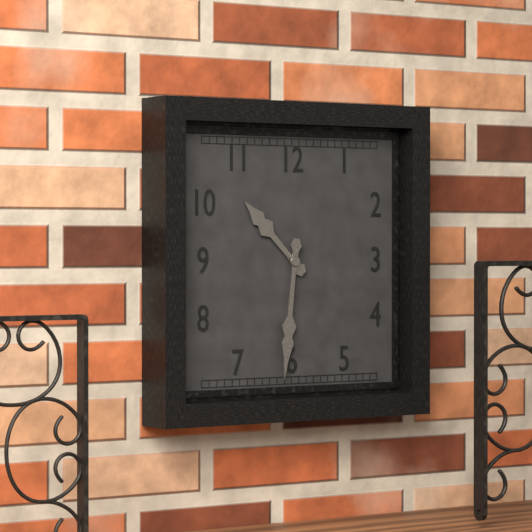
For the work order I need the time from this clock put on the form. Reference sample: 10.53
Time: 10.31
